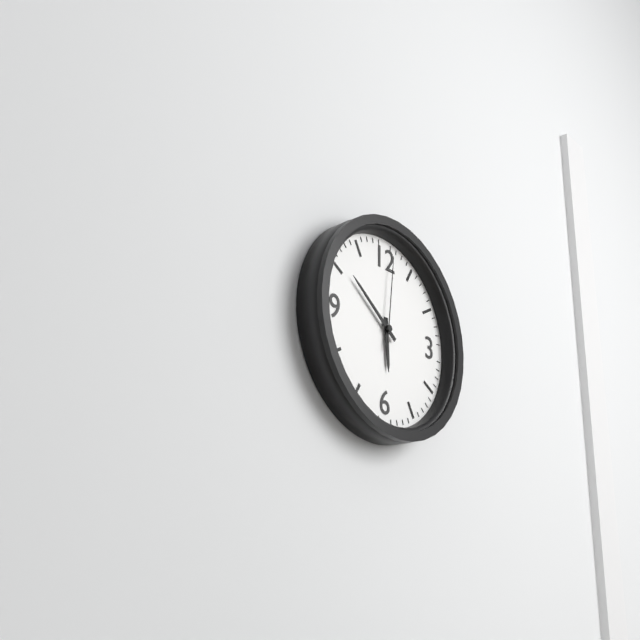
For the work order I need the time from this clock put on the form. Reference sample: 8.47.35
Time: 5.51.01
